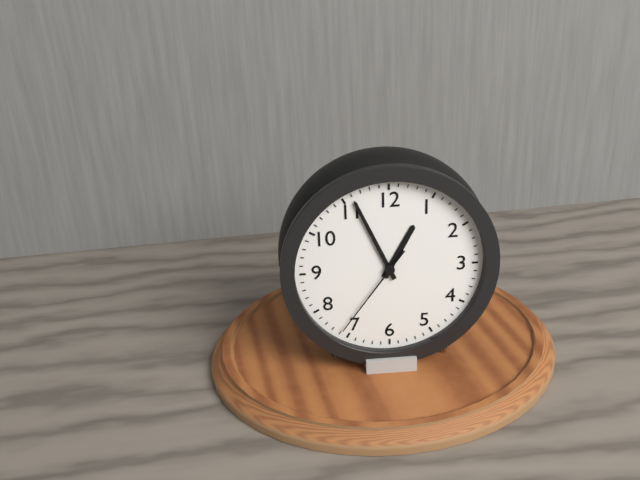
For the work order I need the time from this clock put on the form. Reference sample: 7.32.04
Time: 12.56.36
